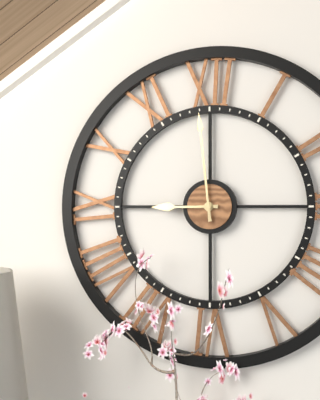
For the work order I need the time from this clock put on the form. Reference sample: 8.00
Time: 8.59
